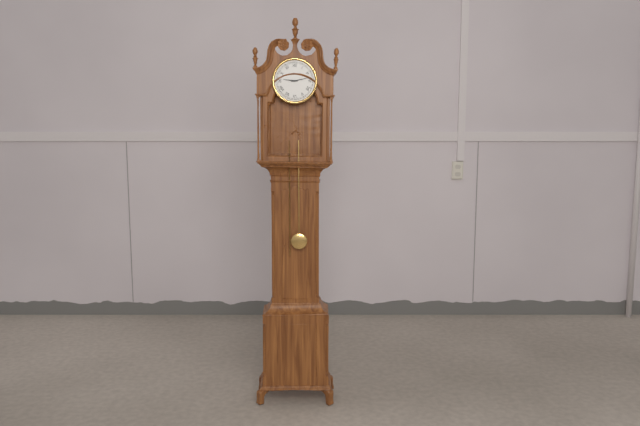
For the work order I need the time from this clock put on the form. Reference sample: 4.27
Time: 9.13
